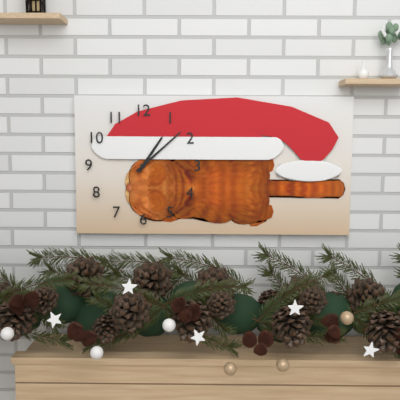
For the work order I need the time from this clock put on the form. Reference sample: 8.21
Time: 1.08
